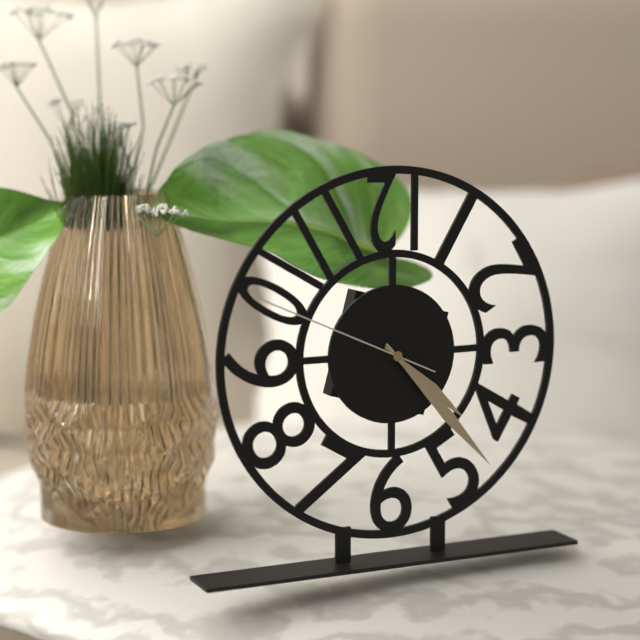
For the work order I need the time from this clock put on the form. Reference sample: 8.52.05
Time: 4.23.49
